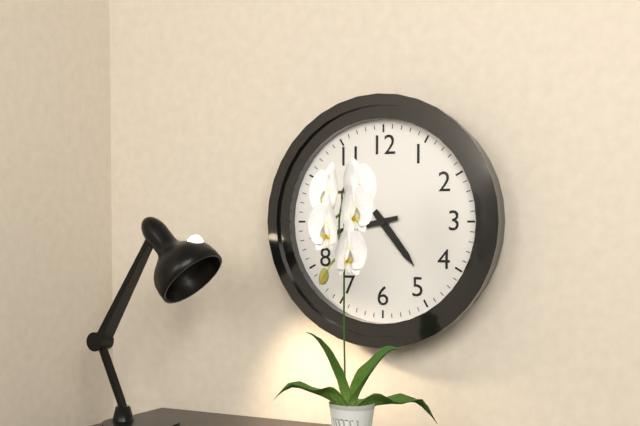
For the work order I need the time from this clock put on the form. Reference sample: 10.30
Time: 4.43
